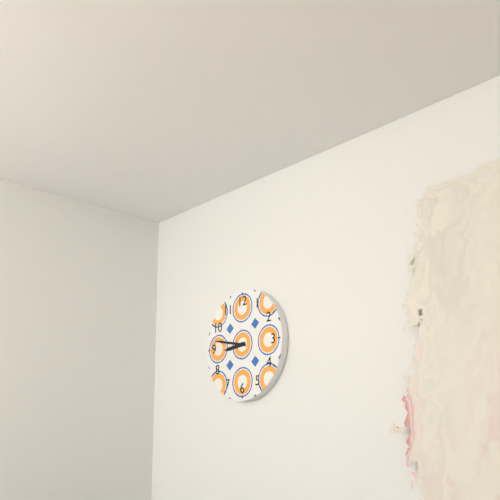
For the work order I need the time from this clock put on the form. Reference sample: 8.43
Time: 8.47
